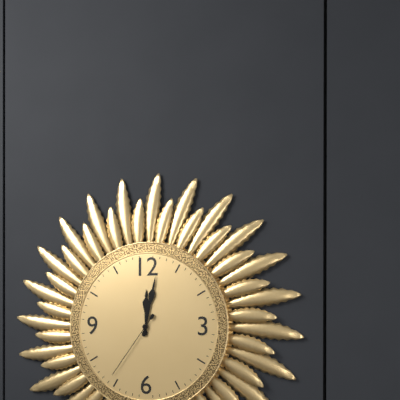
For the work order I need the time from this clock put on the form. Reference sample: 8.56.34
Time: 12.02.36
